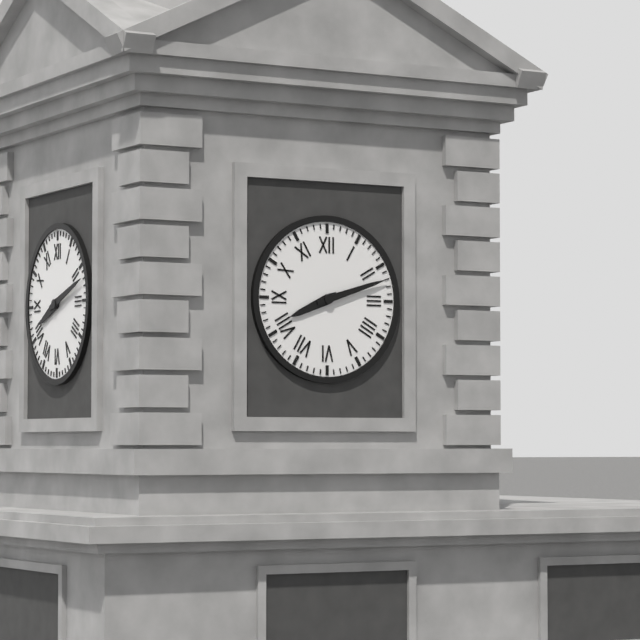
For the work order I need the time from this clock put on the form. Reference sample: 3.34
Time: 8.12
